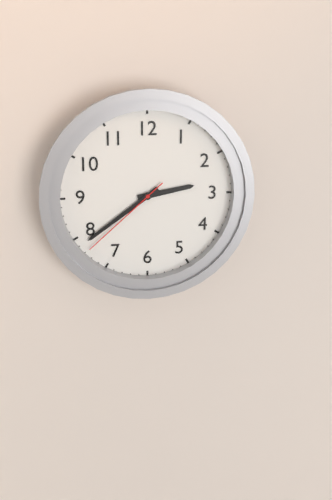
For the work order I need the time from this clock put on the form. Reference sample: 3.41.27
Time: 2.39.38
